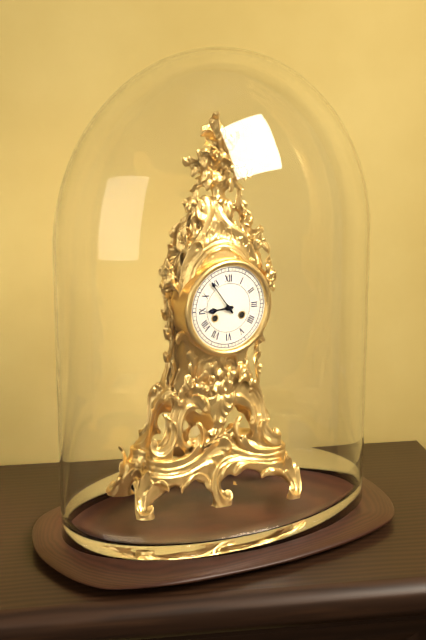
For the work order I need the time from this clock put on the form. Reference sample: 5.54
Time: 8.54
